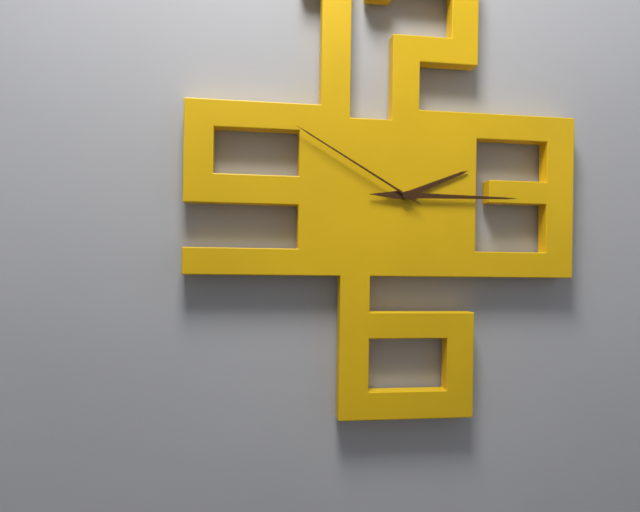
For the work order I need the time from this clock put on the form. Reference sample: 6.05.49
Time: 2.15.50
